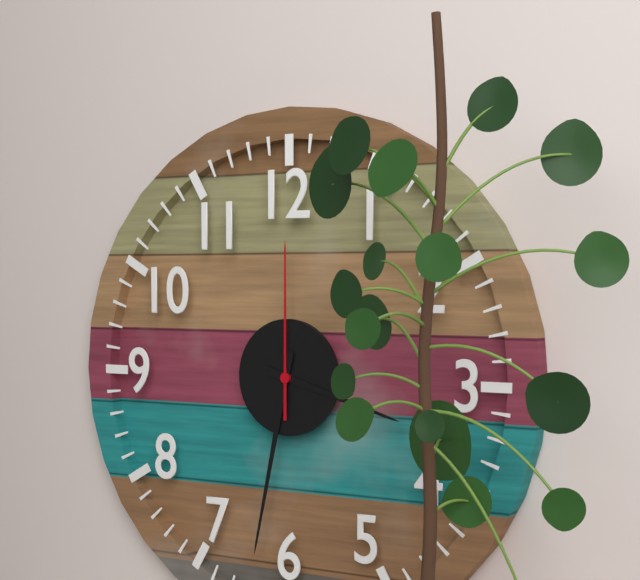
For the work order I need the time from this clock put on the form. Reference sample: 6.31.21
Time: 3.32.00
